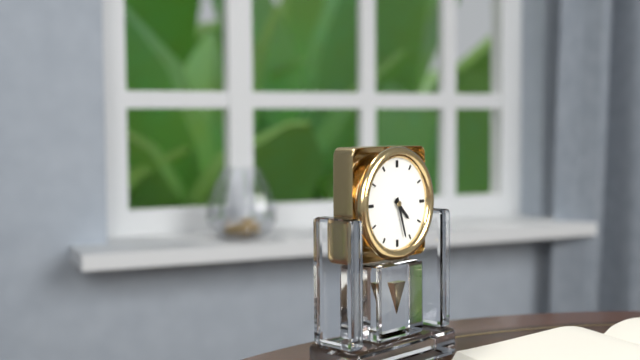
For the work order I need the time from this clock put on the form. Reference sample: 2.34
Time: 4.27
